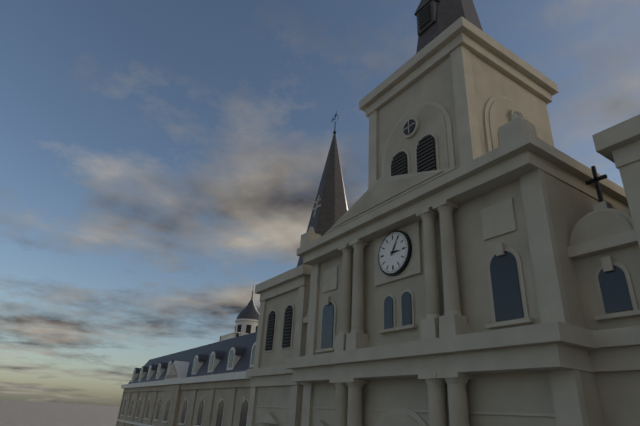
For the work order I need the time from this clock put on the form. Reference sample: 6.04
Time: 3.05
